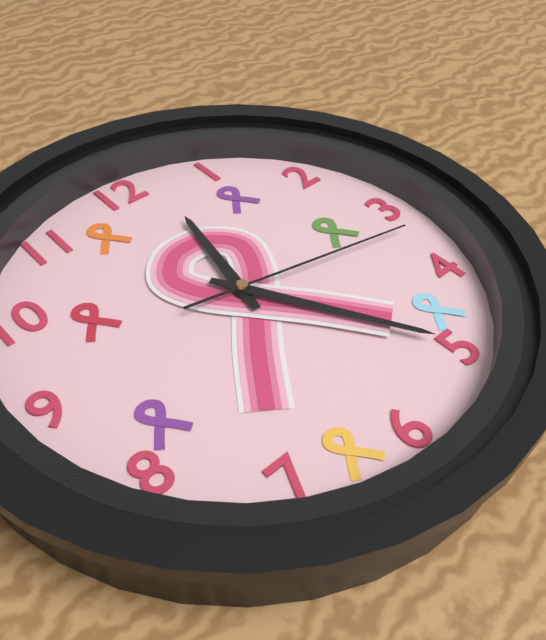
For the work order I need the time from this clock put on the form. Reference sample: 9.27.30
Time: 12.25.17
